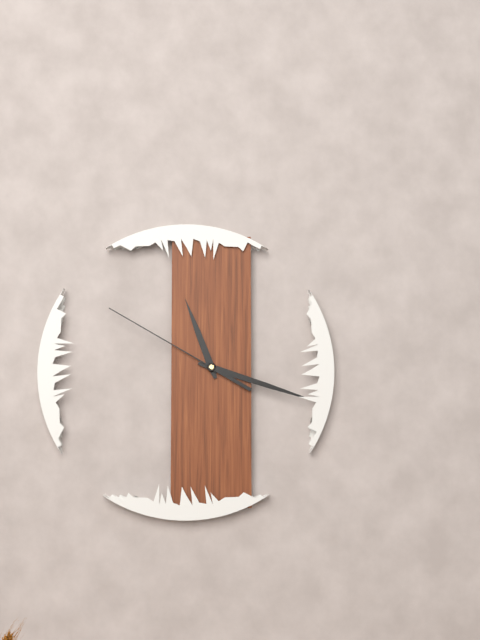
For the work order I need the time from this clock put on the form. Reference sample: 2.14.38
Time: 11.18.50
